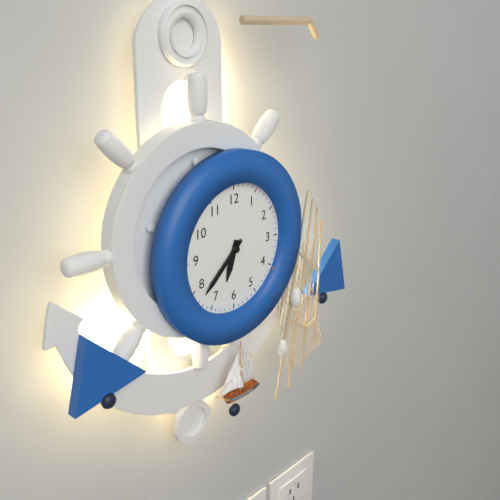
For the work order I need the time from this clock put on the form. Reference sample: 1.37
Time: 6.38
